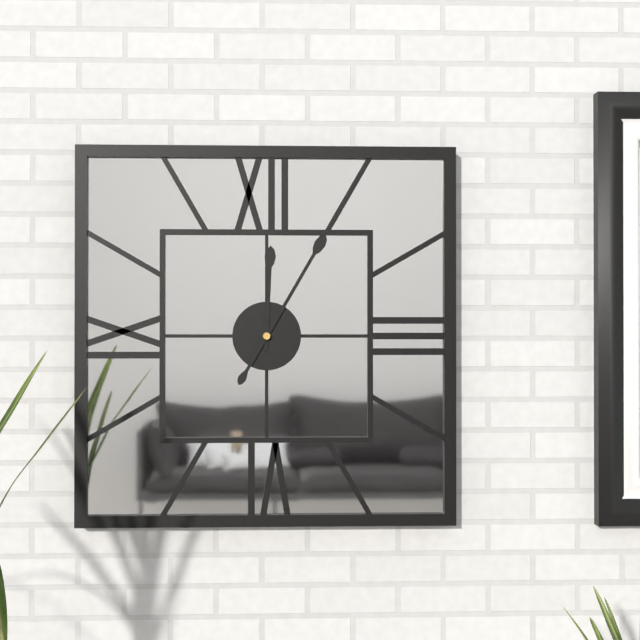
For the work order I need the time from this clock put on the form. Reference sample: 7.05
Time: 12.05
